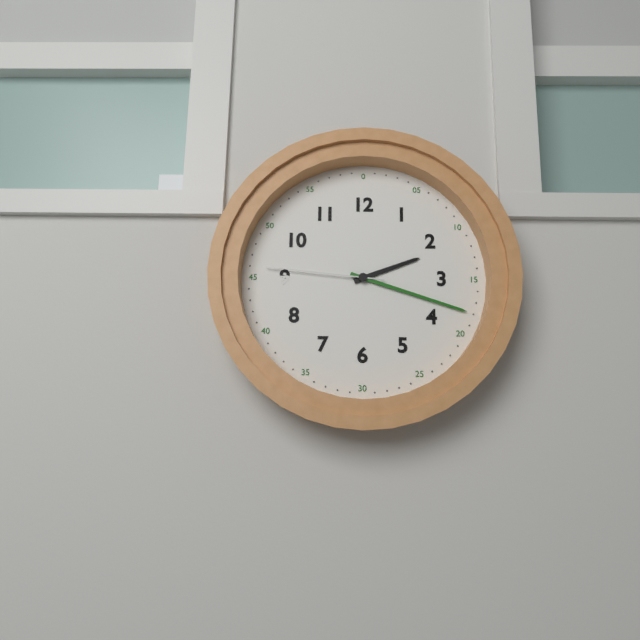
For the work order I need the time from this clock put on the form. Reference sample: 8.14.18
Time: 2.18.46
